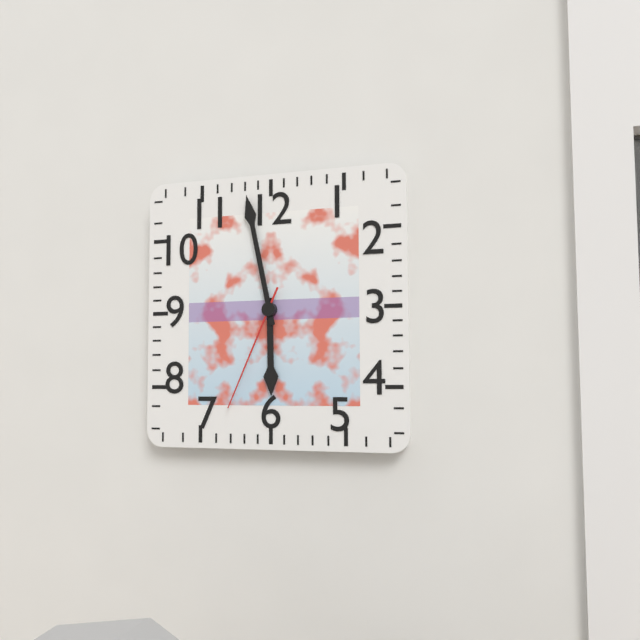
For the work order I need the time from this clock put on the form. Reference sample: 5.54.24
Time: 5.58.34
